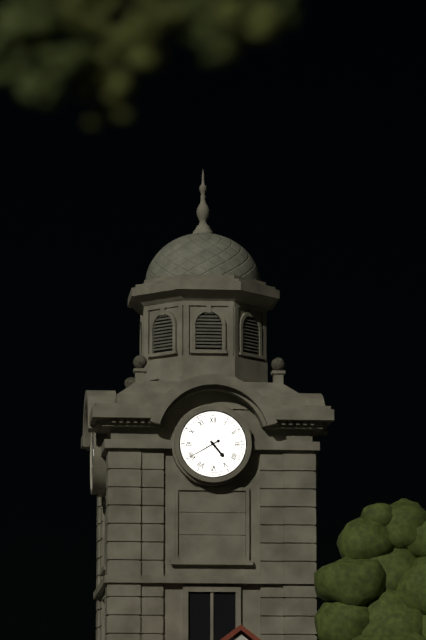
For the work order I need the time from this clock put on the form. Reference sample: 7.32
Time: 4.40
